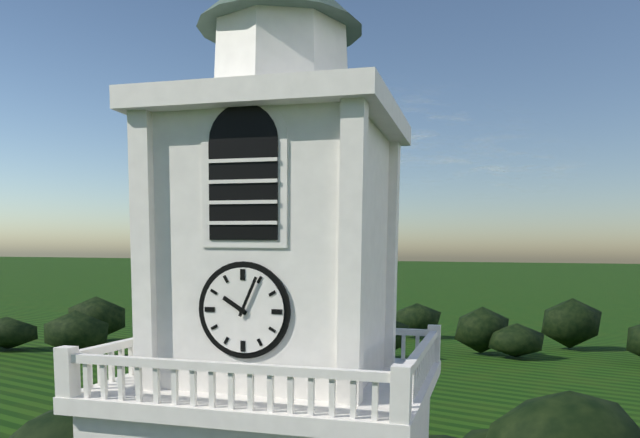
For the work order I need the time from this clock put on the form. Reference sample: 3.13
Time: 10.04
